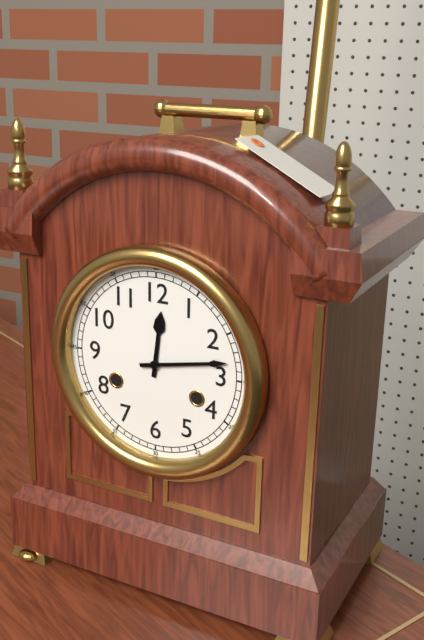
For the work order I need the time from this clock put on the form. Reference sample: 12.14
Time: 12.13
